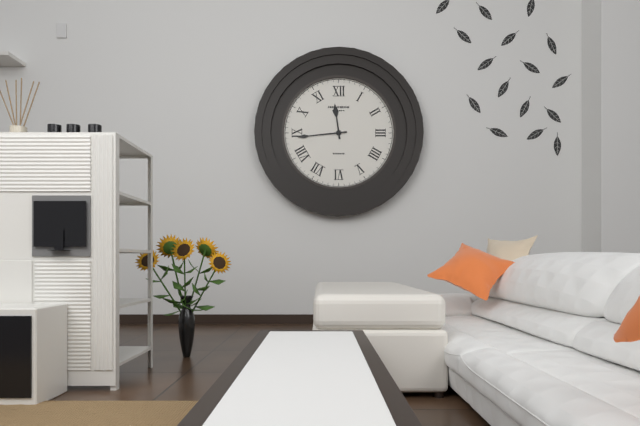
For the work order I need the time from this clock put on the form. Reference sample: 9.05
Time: 11.44
